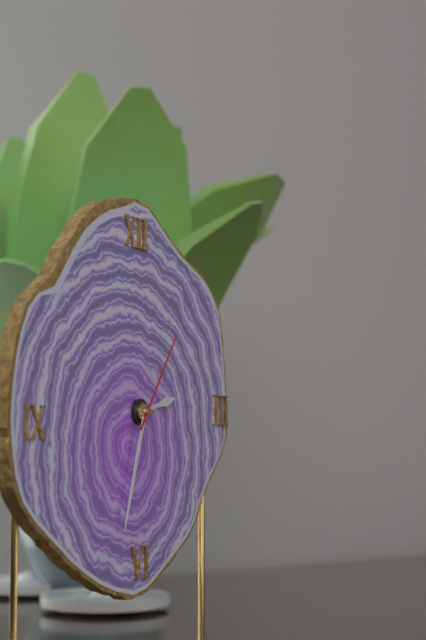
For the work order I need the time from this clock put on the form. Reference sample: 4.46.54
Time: 2.33.06
